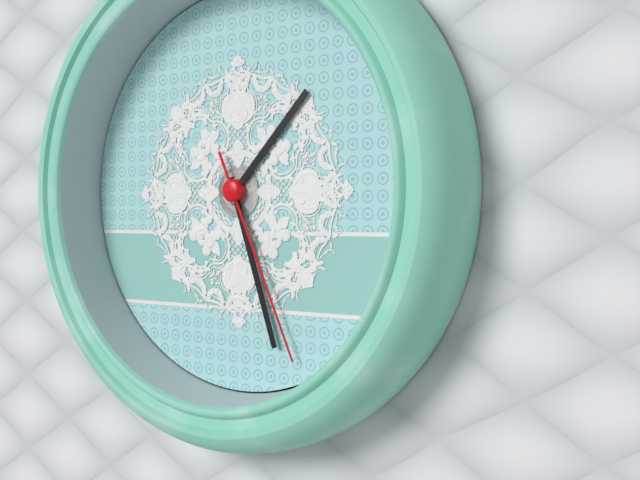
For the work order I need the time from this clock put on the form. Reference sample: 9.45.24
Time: 1.27.26
